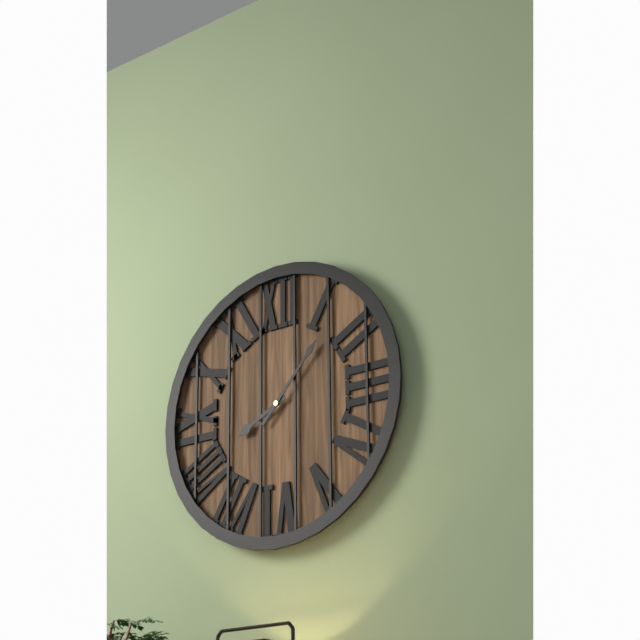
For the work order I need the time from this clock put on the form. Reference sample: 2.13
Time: 8.07
